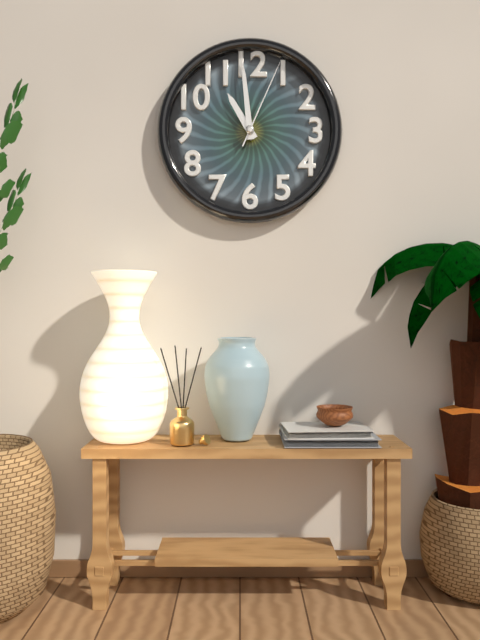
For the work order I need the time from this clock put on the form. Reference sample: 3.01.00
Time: 10.59.04
